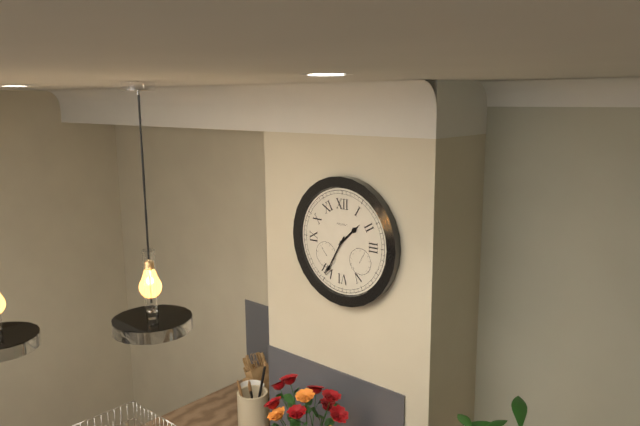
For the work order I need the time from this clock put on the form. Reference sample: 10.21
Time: 1.35
